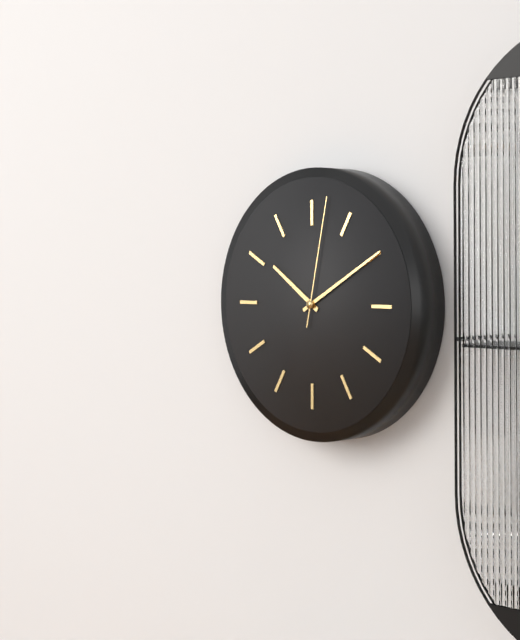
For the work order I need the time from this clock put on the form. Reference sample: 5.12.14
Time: 10.10.02
